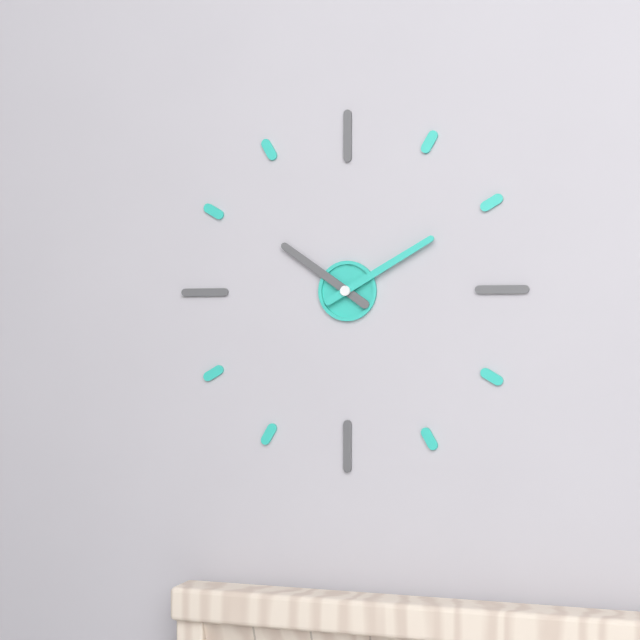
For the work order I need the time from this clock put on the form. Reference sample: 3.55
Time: 10.10
